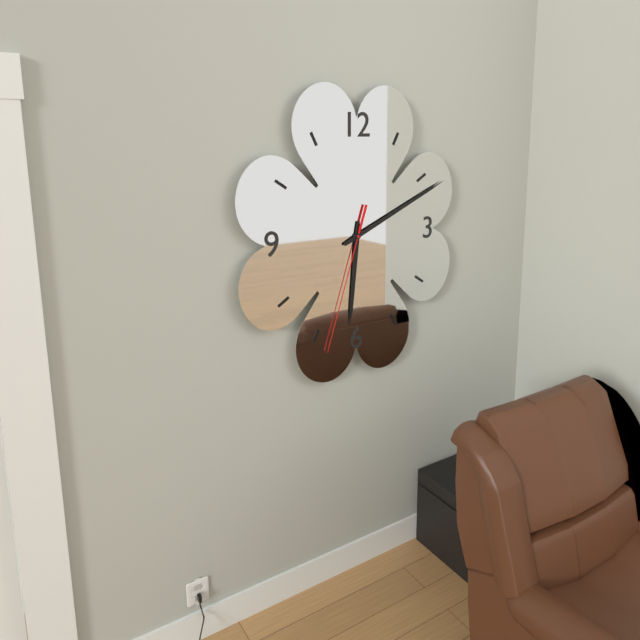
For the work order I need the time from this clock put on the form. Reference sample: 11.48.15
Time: 6.11.33
